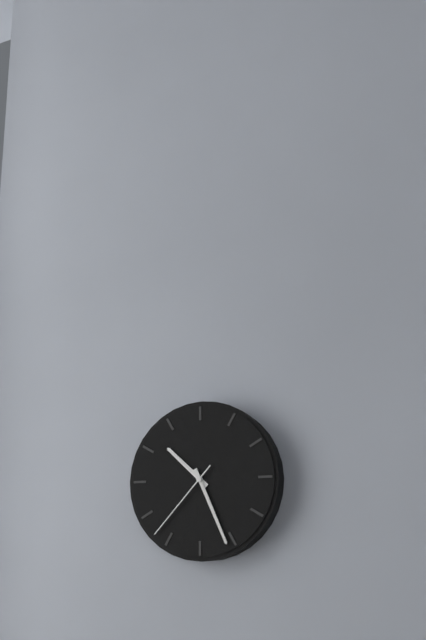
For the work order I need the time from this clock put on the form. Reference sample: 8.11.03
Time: 10.26.37
